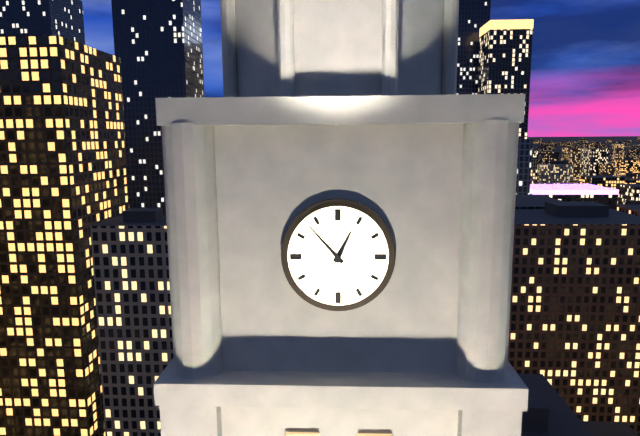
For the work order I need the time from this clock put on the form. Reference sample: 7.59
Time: 12.53
